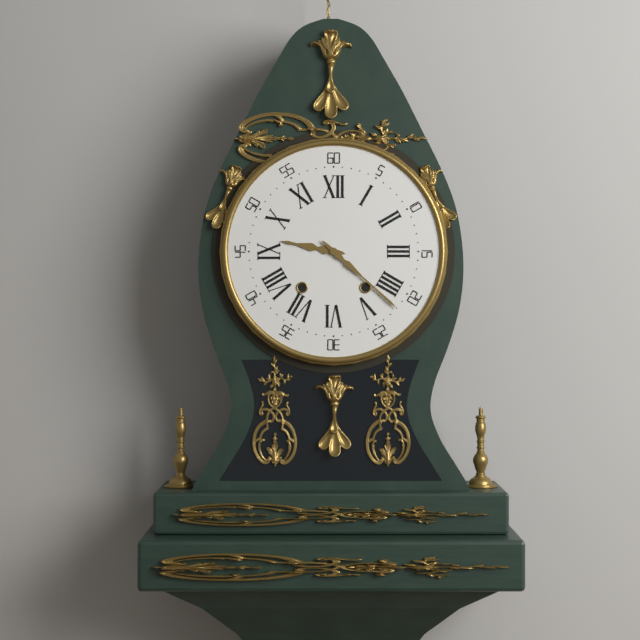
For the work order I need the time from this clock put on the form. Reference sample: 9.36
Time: 9.22
